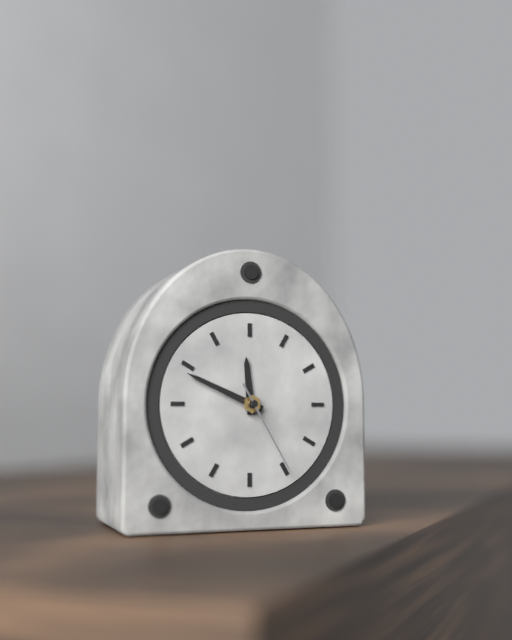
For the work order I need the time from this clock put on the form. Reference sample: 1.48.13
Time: 11.49.25
